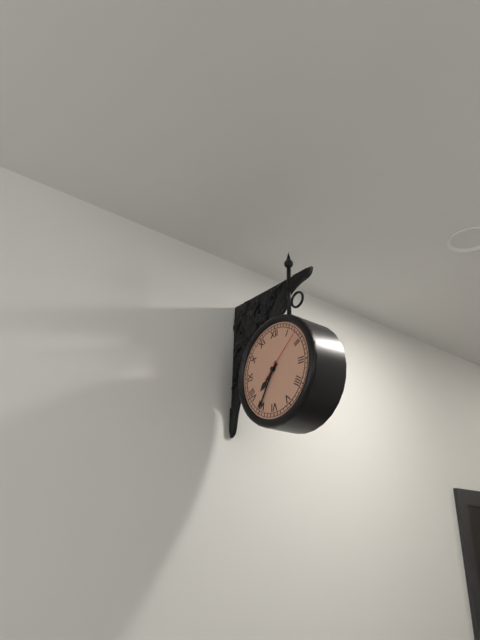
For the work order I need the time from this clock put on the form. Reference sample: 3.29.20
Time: 7.35.08
